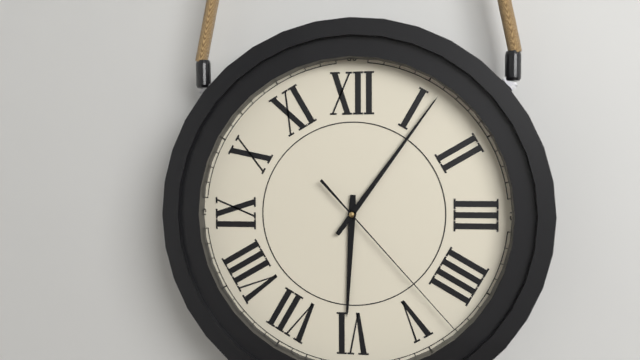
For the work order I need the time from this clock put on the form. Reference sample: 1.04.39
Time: 6.06.23
